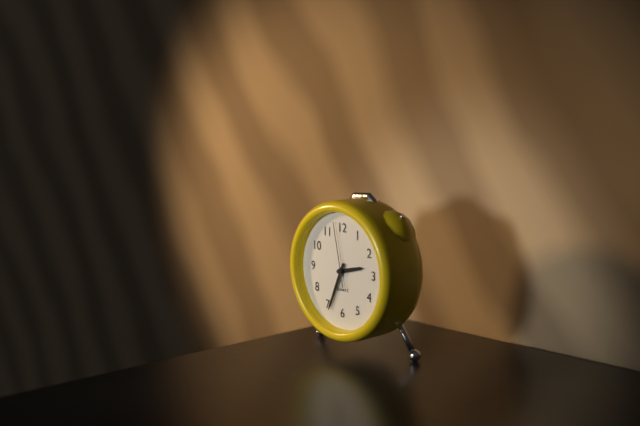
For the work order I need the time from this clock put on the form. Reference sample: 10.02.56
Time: 2.34.58
